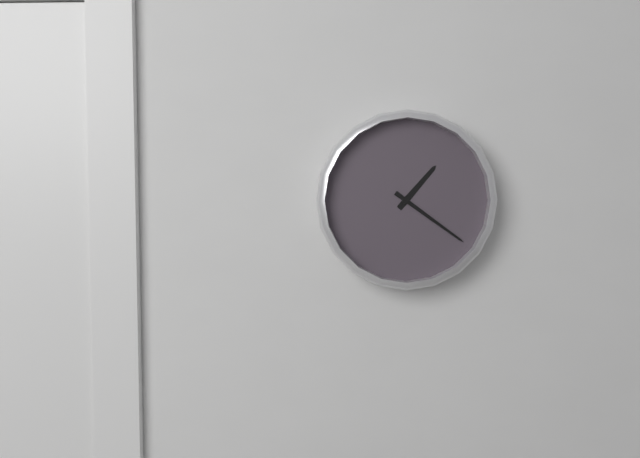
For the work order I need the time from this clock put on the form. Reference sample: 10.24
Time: 1.21
